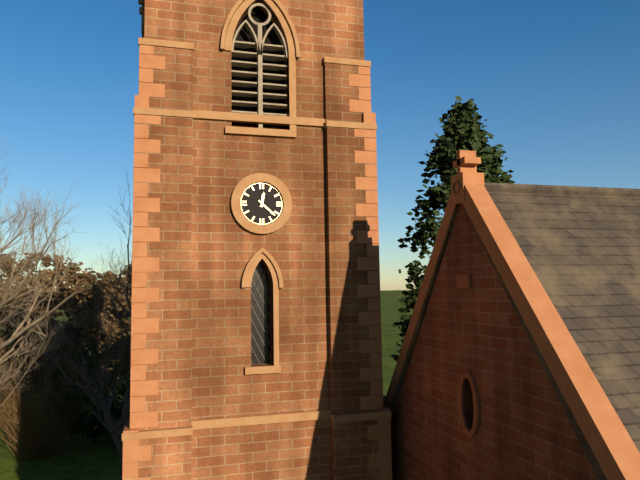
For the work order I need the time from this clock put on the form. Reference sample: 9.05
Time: 12.22
